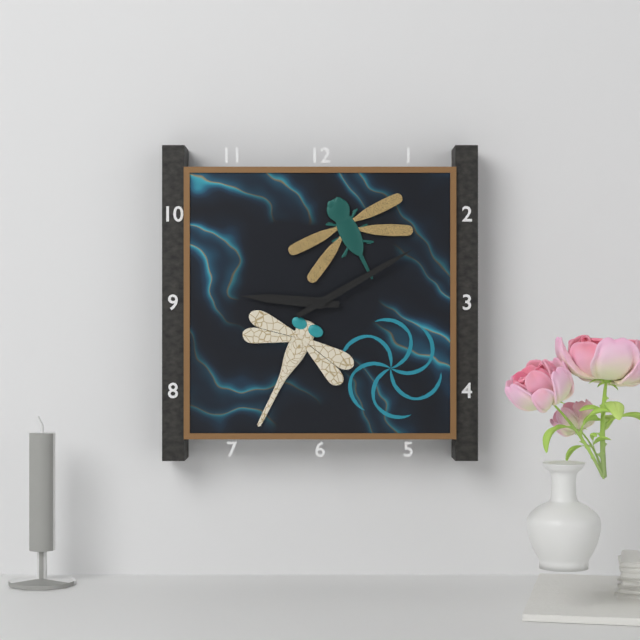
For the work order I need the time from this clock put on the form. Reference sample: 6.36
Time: 9.10
